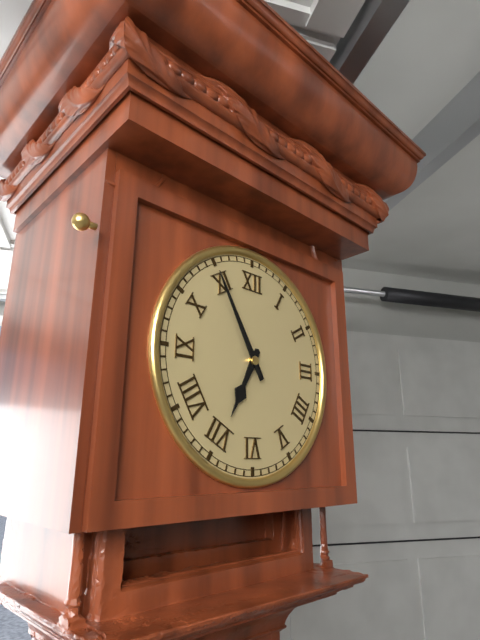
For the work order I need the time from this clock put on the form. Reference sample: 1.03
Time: 6.55
